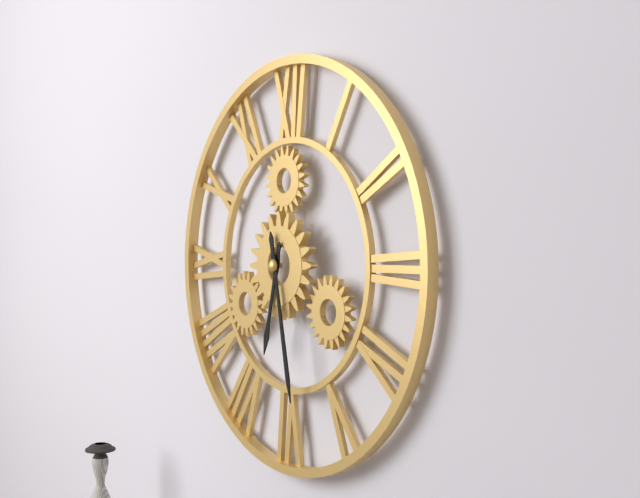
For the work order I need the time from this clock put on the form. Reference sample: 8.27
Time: 6.28
